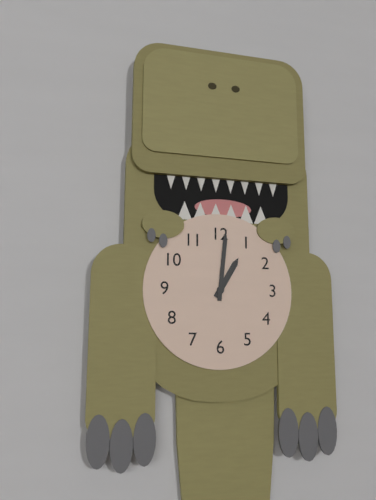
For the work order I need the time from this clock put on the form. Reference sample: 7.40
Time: 1.01
